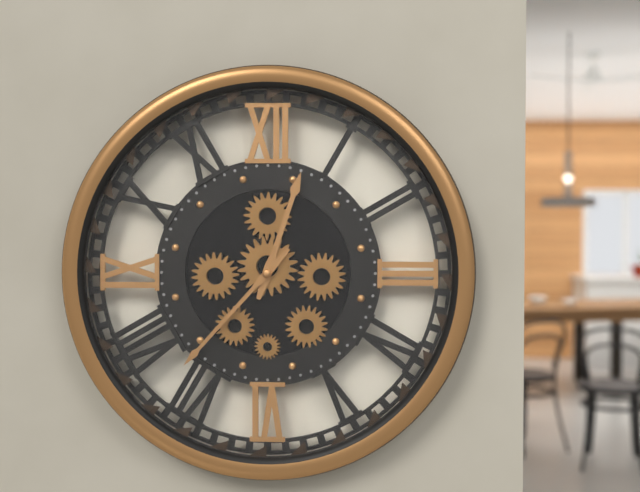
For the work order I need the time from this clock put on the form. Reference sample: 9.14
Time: 12.37
